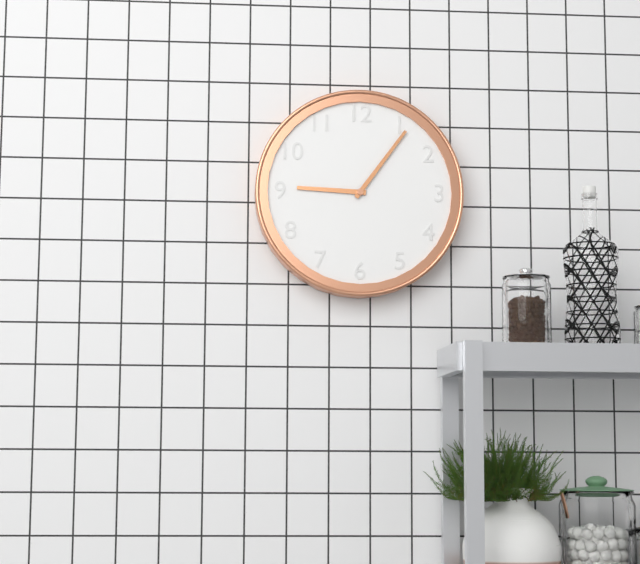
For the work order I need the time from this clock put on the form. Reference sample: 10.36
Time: 9.06
